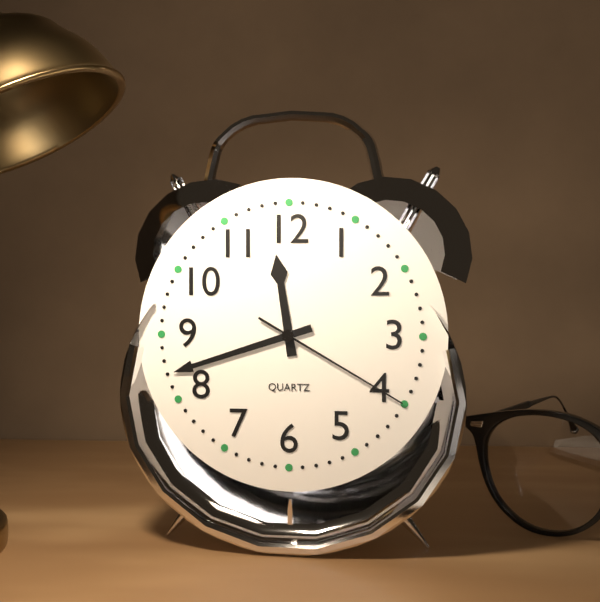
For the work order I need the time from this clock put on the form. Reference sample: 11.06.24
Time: 11.42.20
